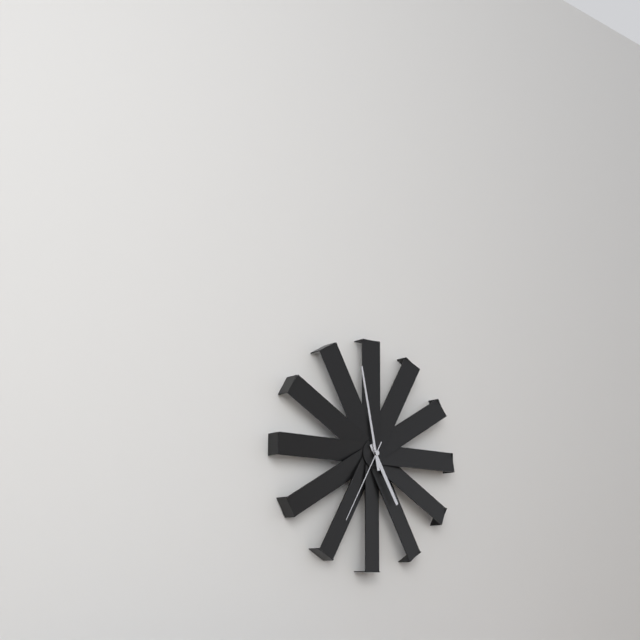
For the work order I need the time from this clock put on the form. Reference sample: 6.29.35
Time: 4.58.35
